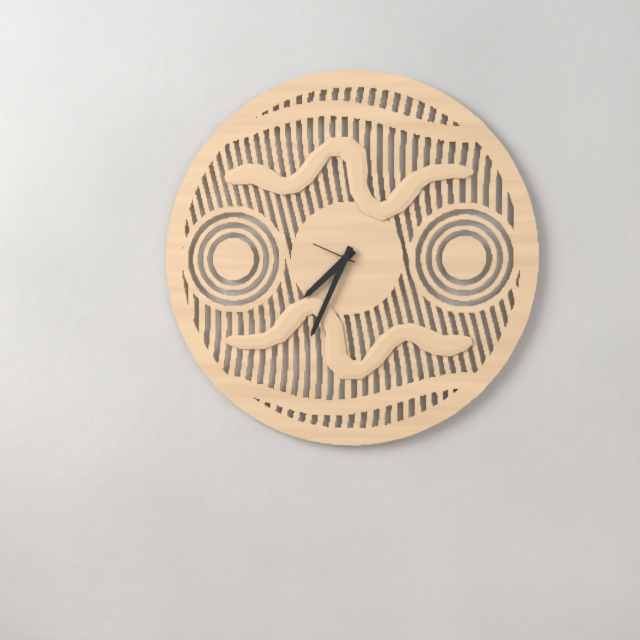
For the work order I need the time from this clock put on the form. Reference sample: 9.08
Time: 7.34
